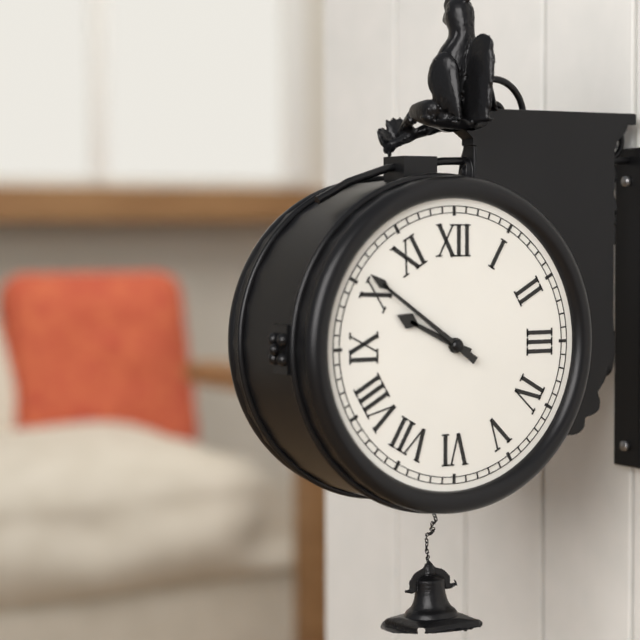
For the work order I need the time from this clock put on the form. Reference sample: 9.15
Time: 9.51
